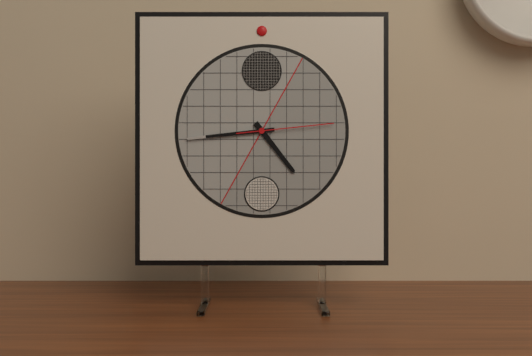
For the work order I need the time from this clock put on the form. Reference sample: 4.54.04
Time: 4.44.14
